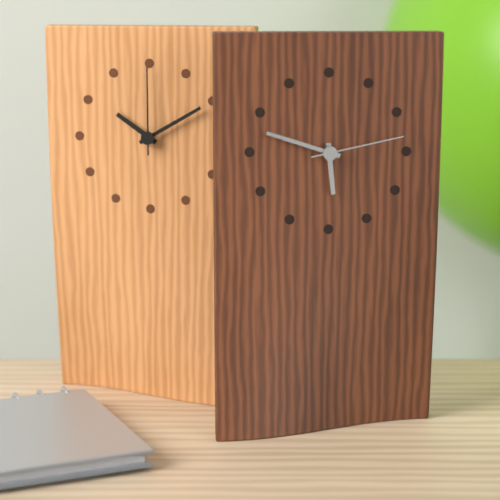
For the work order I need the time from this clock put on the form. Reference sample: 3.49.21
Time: 5.48.13
